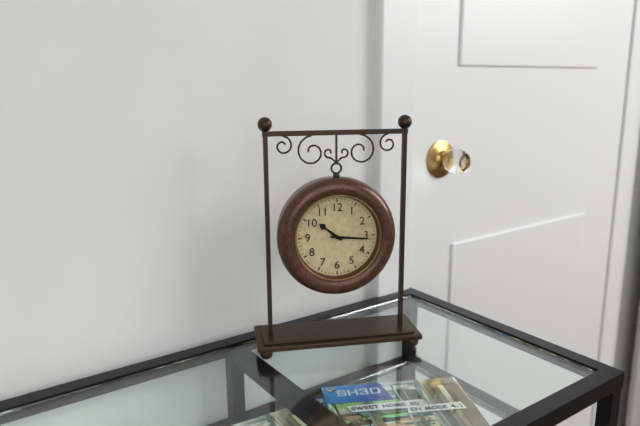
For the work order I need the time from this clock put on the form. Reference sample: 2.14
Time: 10.16
